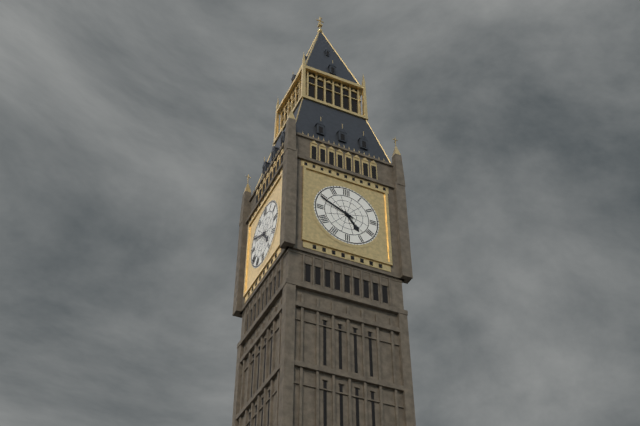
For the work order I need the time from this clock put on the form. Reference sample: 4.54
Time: 4.49
